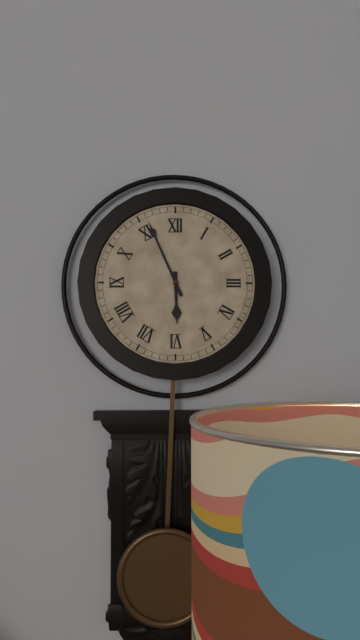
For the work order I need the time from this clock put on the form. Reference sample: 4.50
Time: 5.56
